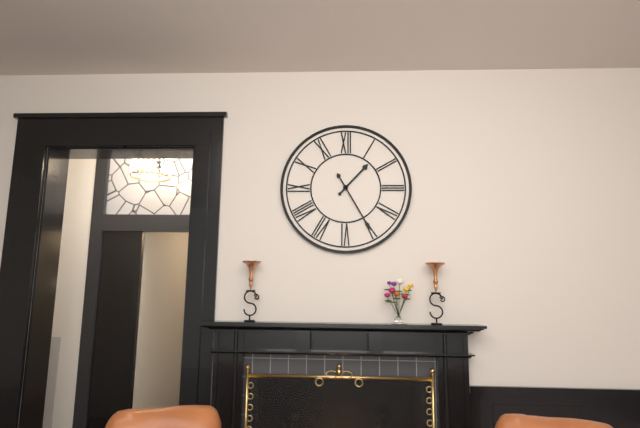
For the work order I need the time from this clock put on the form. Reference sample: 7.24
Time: 1.25
